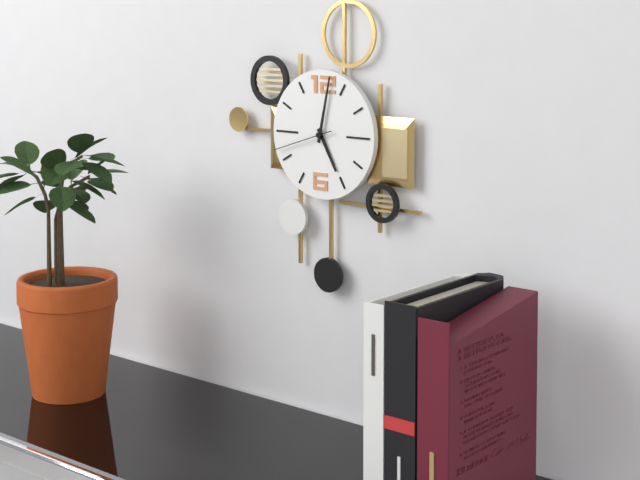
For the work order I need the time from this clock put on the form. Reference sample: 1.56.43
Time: 5.02.42
